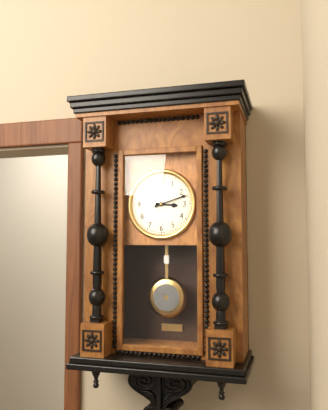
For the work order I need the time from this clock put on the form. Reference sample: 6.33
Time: 3.12
